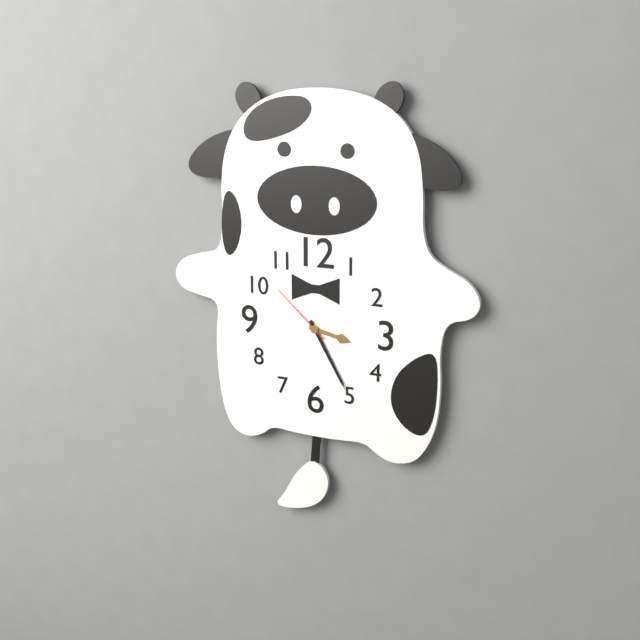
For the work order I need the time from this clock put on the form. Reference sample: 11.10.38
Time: 3.25.52
